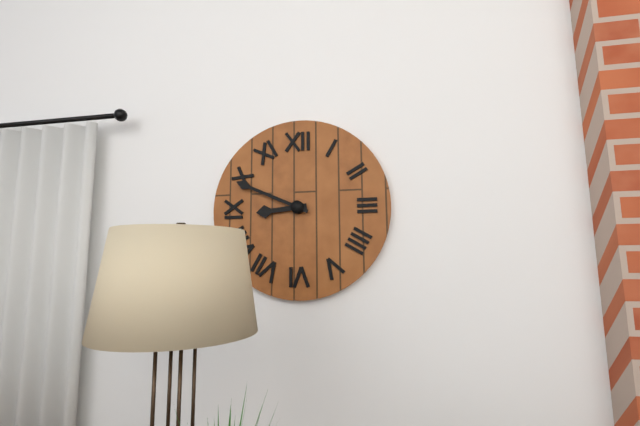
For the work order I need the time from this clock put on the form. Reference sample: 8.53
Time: 8.49
